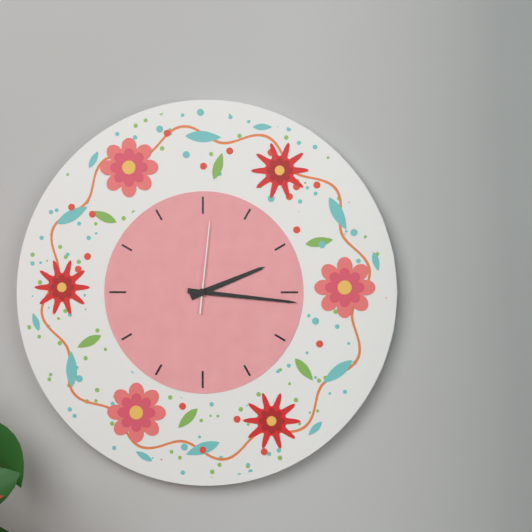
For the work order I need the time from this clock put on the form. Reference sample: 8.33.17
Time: 2.16.01
